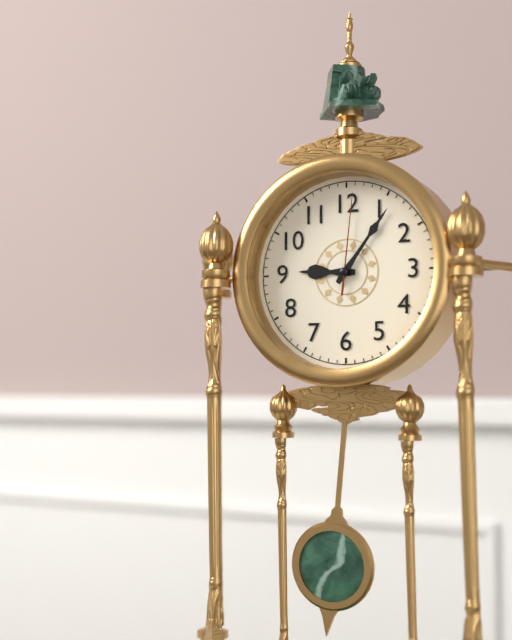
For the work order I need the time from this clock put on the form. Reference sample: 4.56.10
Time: 9.06.01
